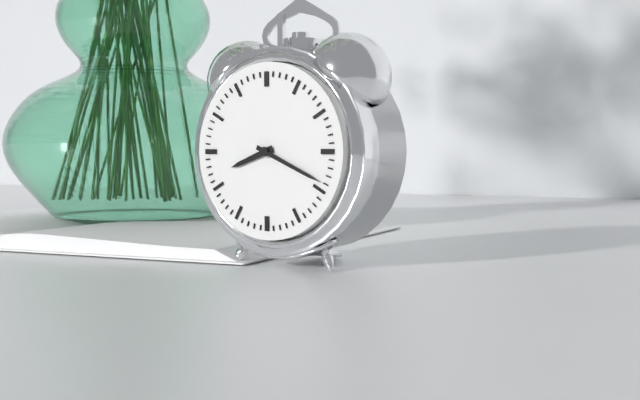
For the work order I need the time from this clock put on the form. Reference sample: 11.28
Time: 8.19
